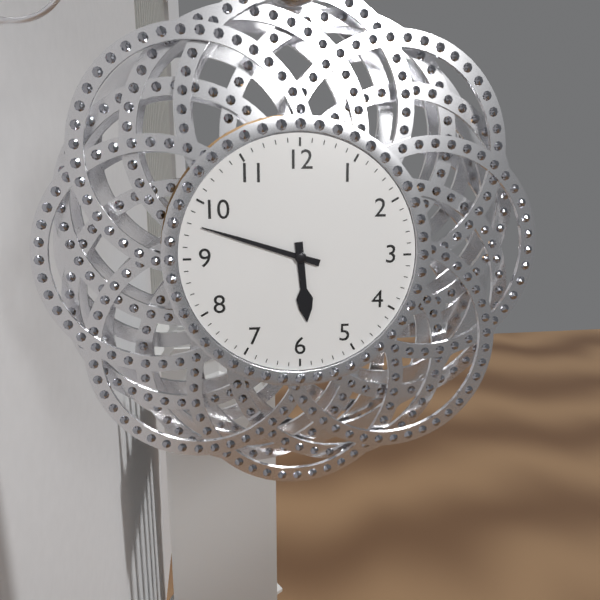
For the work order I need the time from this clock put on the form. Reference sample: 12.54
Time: 5.48
